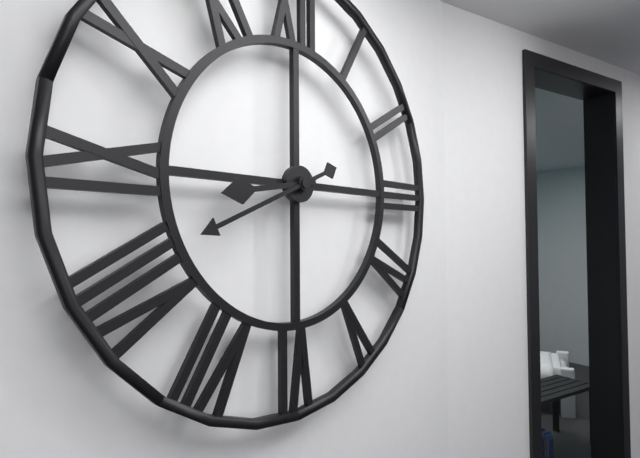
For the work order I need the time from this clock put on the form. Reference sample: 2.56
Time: 8.41
